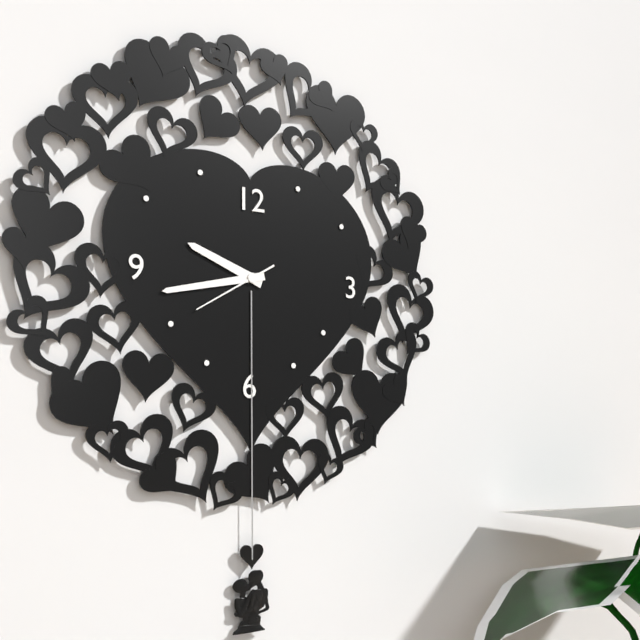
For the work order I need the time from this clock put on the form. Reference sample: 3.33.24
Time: 9.43.40
